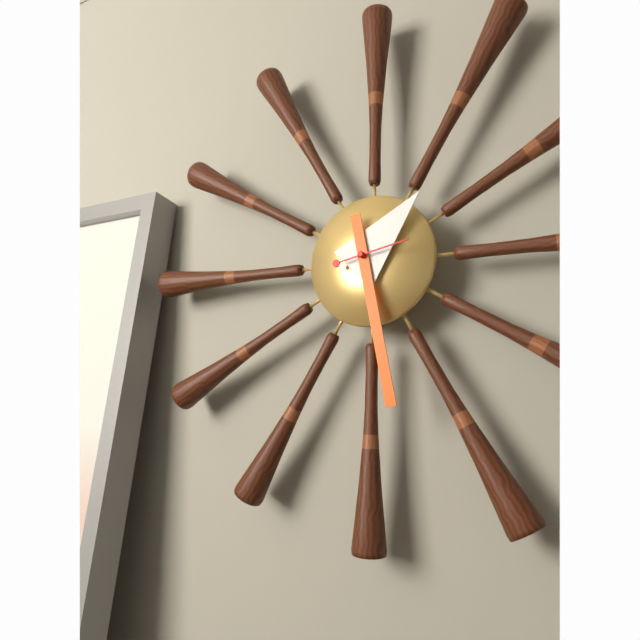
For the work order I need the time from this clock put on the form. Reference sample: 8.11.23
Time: 1.28.13
